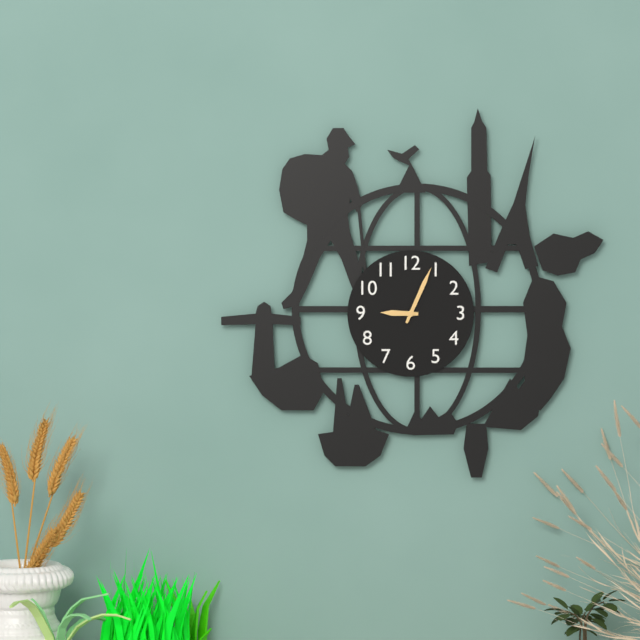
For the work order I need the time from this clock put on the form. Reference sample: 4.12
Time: 9.04
